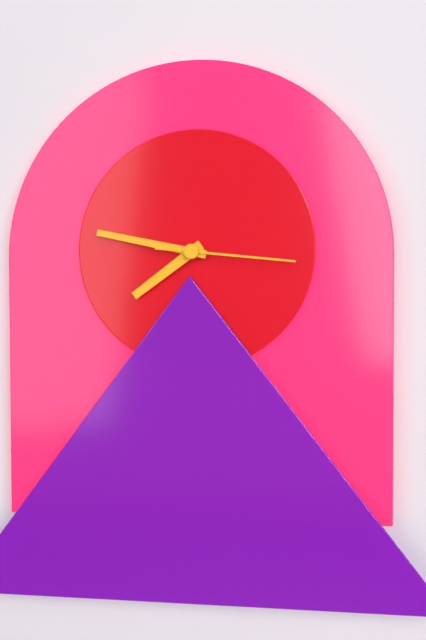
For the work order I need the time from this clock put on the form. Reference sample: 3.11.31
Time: 7.47.16
